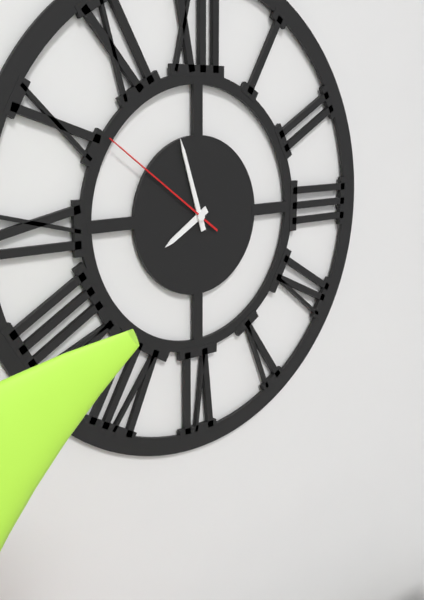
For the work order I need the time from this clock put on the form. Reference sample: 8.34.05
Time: 7.57.51
